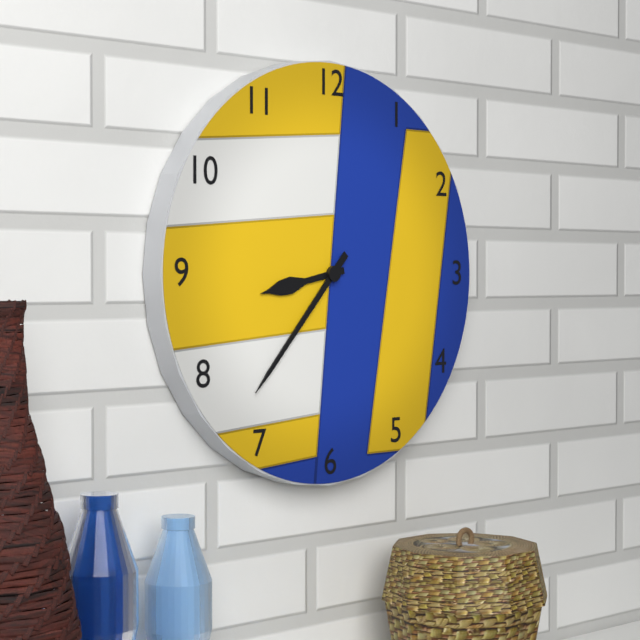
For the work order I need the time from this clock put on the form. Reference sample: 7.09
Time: 8.37
